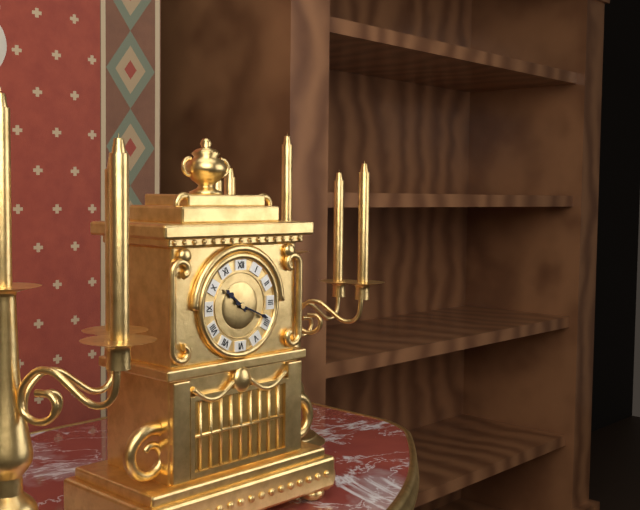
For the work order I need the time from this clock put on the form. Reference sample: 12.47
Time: 10.19
